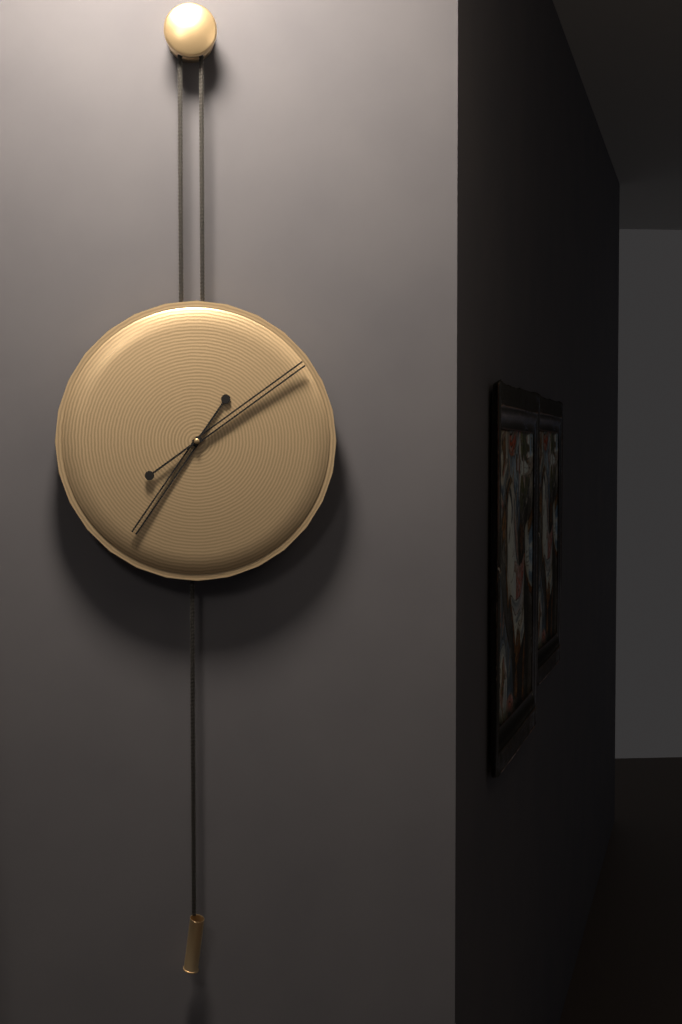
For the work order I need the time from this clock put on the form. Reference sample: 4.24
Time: 7.09
